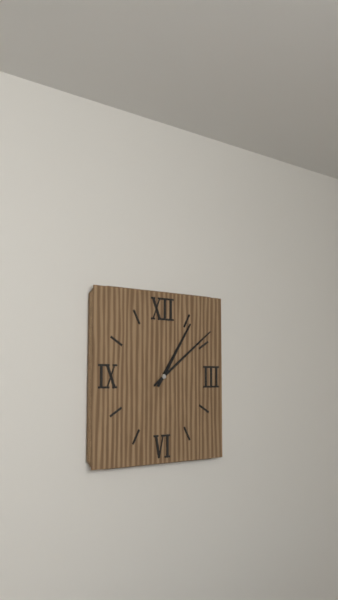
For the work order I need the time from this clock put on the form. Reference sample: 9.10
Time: 1.09
